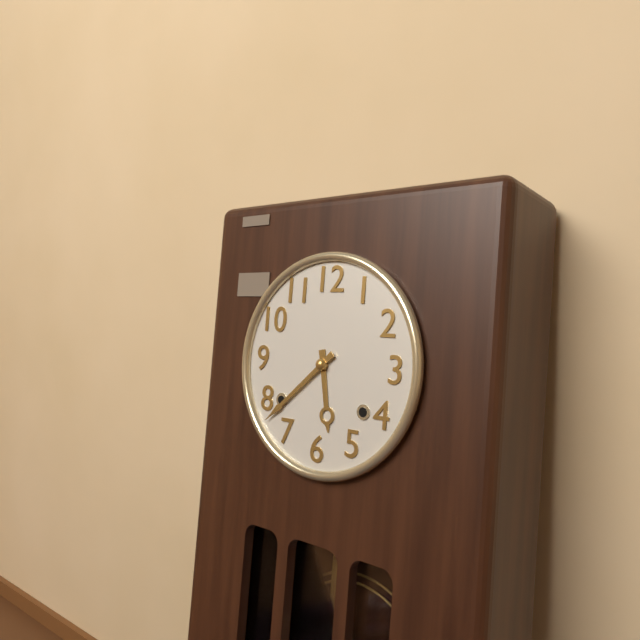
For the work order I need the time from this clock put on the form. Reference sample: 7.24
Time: 5.38
